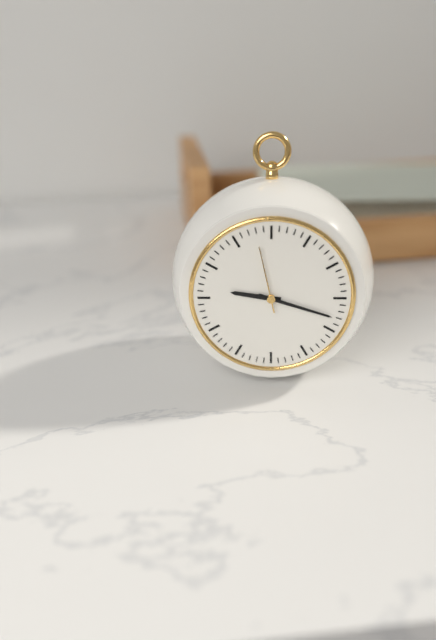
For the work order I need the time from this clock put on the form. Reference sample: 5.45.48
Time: 9.18.58
